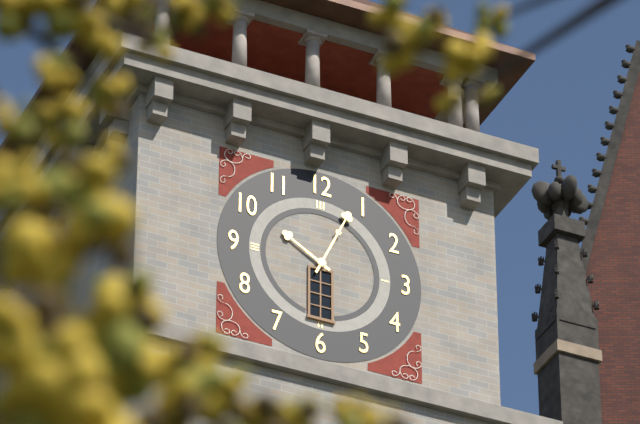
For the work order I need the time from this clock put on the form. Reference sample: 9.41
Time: 10.04
